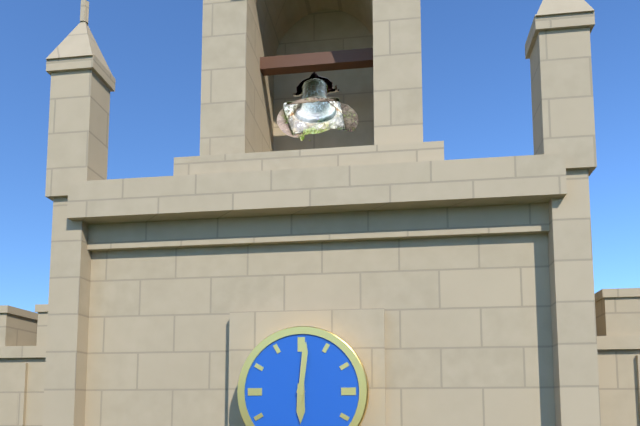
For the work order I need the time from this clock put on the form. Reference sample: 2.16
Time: 6.01
